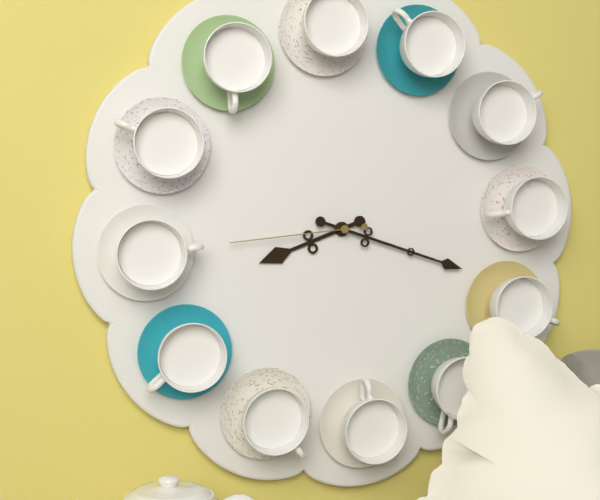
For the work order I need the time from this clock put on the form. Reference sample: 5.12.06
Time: 8.18.44
